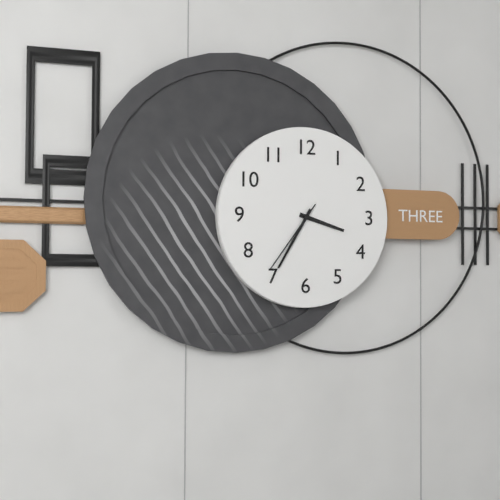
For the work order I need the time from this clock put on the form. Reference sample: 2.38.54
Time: 3.35.36
